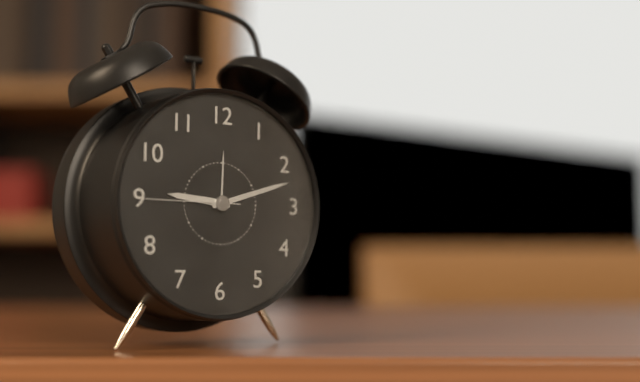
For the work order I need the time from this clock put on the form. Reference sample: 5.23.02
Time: 9.12.45
